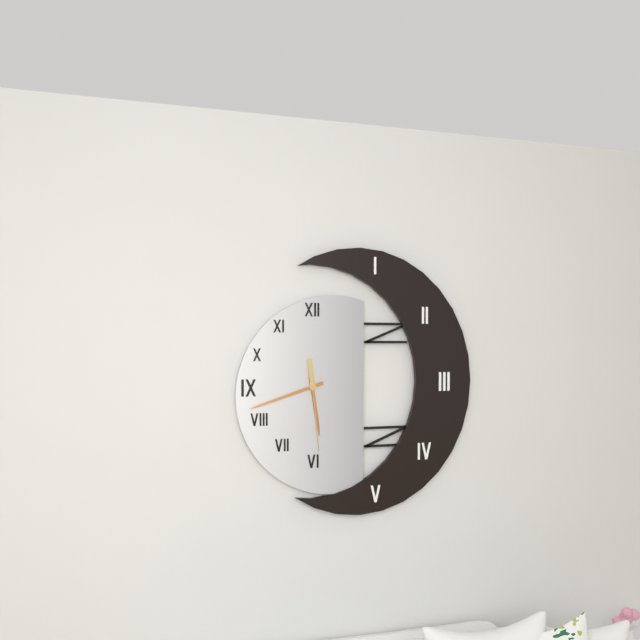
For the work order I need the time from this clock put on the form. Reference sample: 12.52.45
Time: 5.42.29
